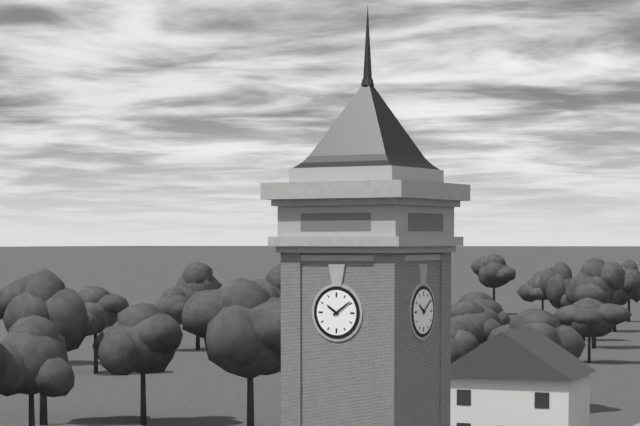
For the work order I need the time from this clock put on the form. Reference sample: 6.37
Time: 10.09
